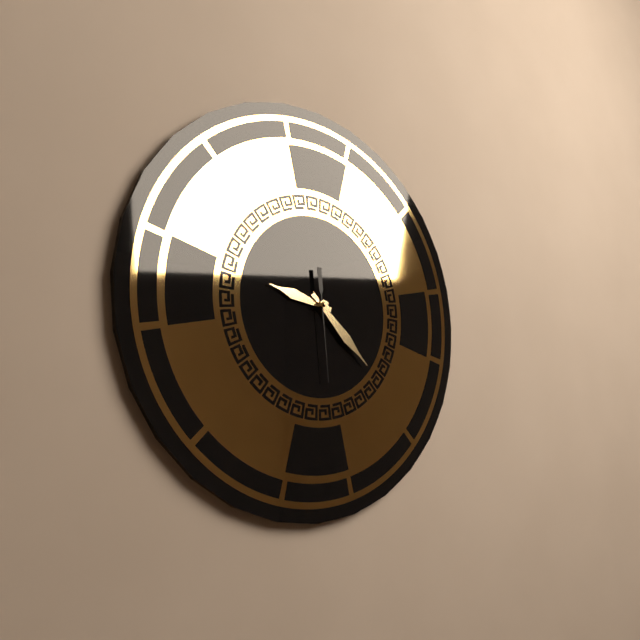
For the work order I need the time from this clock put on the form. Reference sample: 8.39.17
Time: 9.22.29
